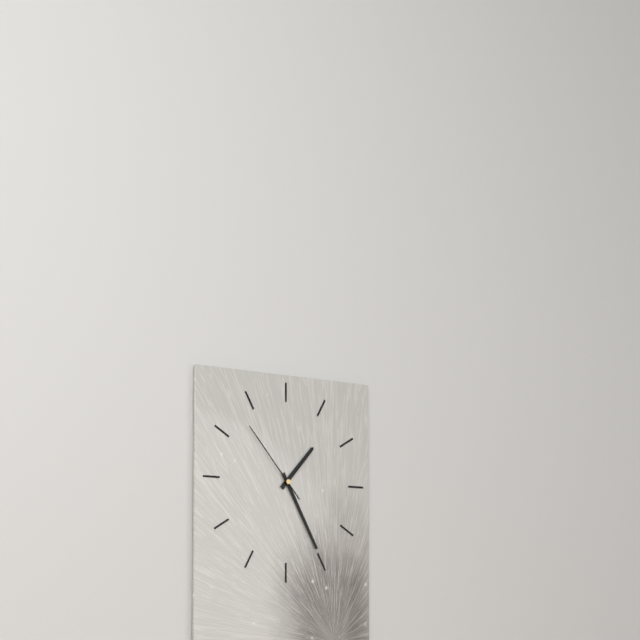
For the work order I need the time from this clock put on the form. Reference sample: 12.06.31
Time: 1.25.53
